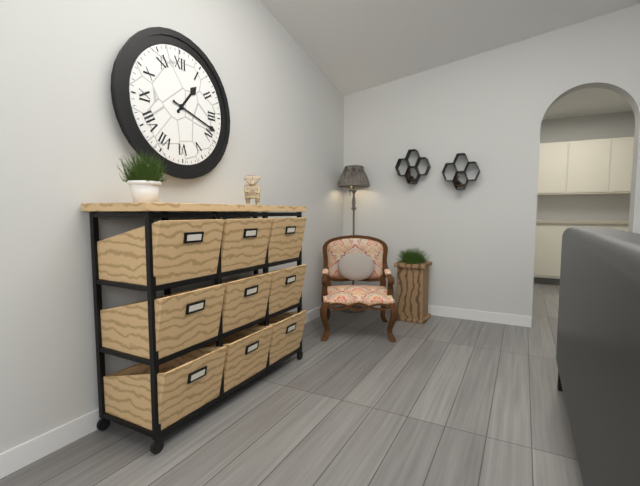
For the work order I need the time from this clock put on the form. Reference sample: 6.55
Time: 1.18
